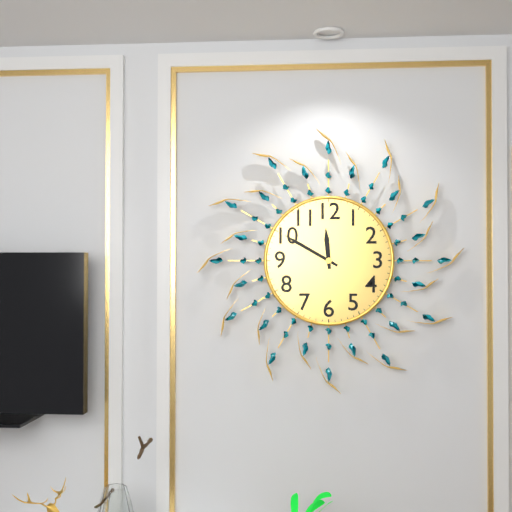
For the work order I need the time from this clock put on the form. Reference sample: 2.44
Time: 11.50
